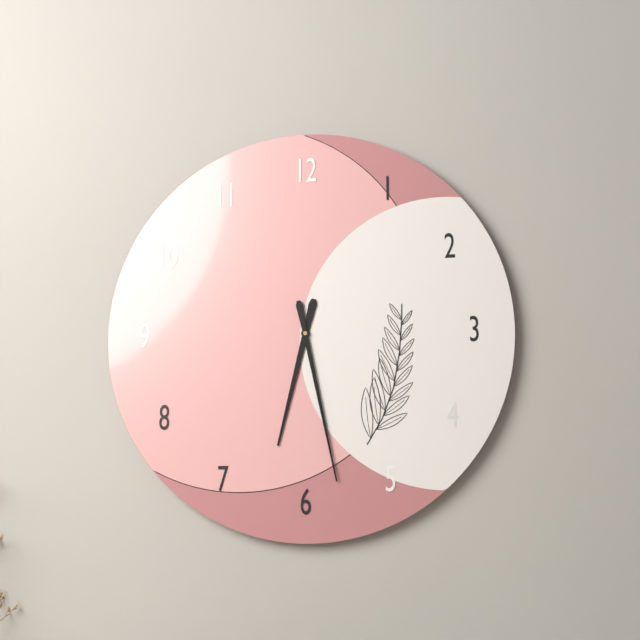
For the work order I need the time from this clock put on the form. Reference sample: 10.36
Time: 6.28
